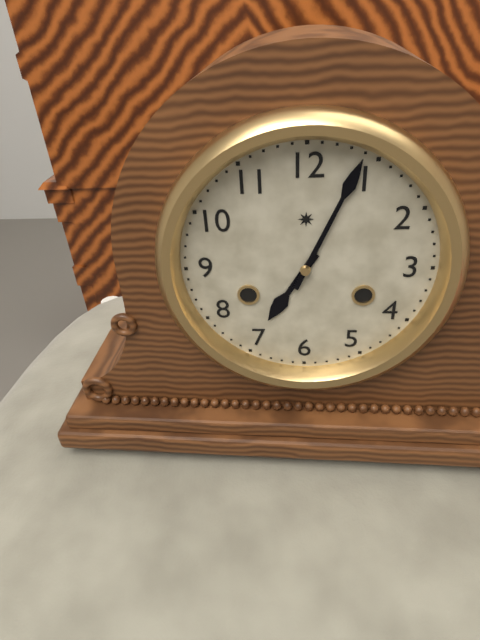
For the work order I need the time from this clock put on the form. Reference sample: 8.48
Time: 7.04
